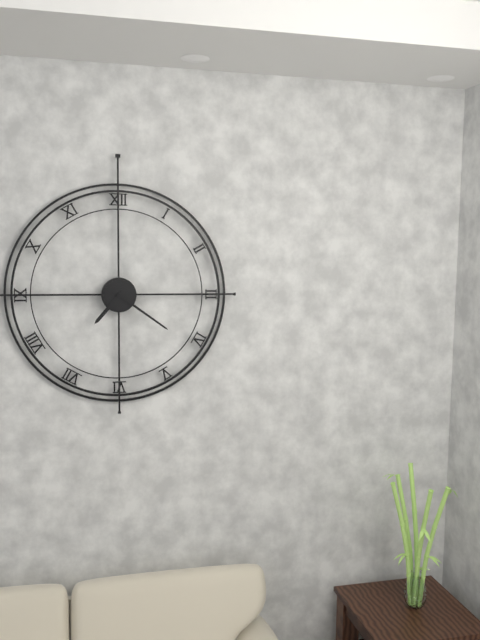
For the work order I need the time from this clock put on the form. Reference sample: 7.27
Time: 7.21
